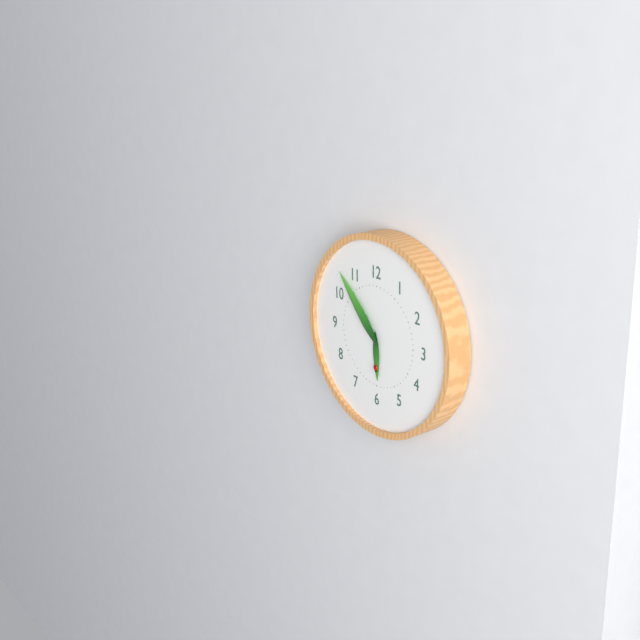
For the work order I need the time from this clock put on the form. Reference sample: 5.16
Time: 5.53
